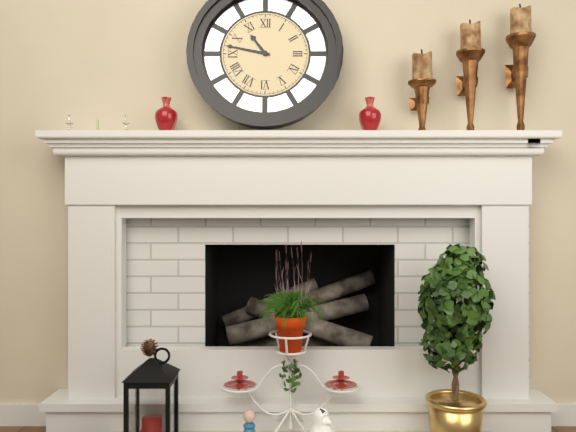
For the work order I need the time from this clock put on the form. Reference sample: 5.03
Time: 10.47
